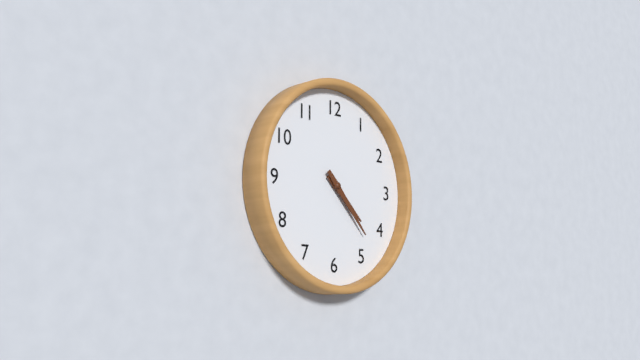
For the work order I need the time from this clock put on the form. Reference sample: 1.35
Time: 4.23
